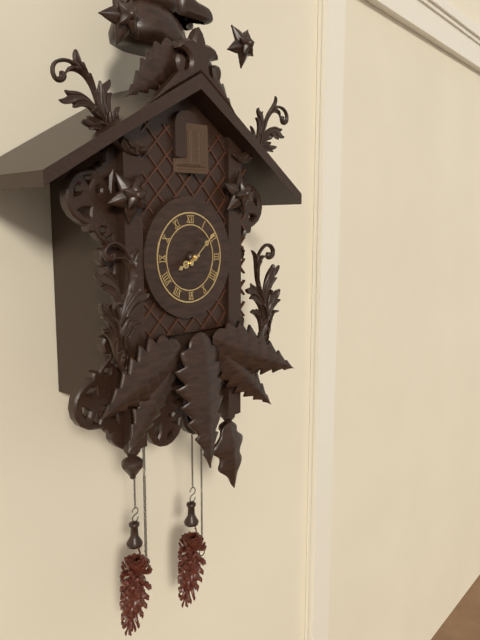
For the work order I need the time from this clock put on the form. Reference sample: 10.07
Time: 8.08
